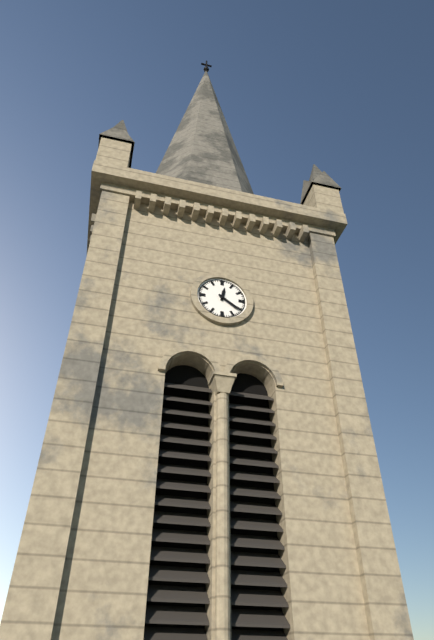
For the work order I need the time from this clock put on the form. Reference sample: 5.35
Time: 12.21
